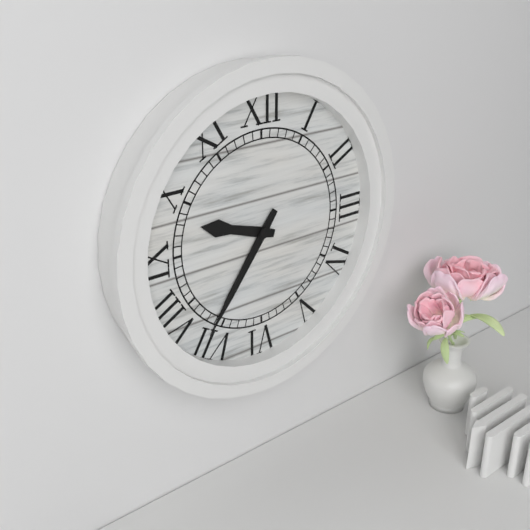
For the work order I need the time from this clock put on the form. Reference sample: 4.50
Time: 9.36
